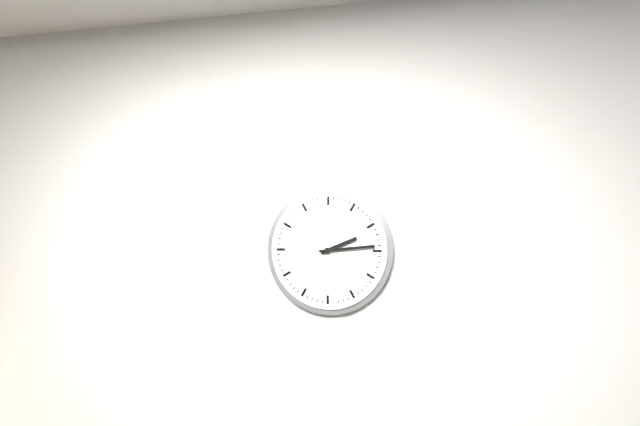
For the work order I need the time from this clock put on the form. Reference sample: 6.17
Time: 2.14
